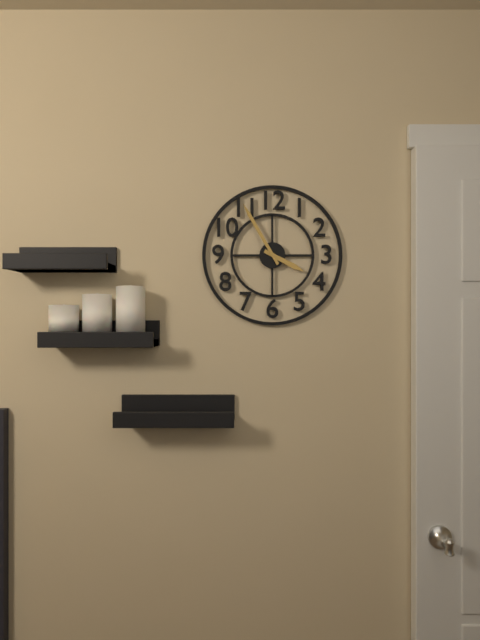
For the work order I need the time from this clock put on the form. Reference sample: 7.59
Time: 3.55
